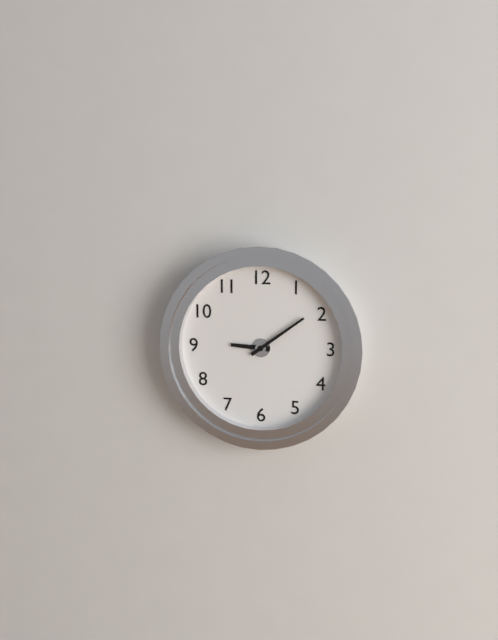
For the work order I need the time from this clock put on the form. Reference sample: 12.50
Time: 9.09
